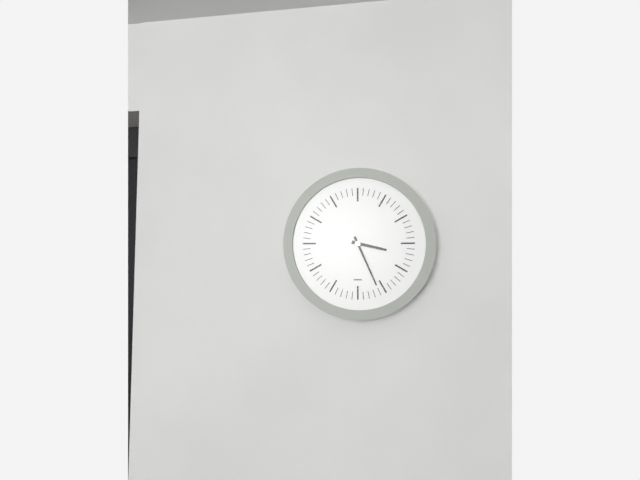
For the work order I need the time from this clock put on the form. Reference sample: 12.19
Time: 3.26
